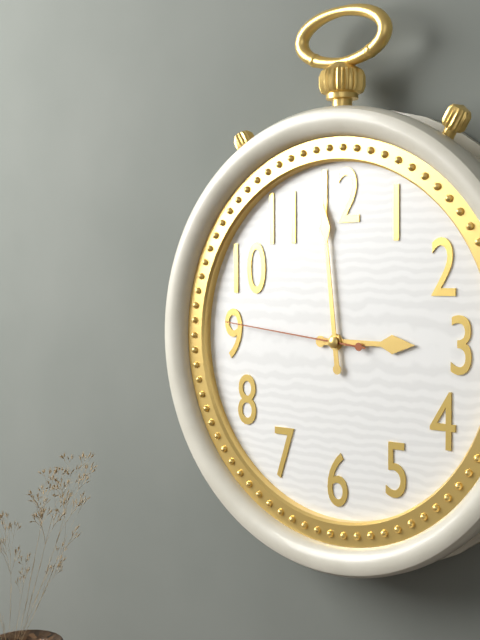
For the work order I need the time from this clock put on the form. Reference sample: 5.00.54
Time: 2.59.46
